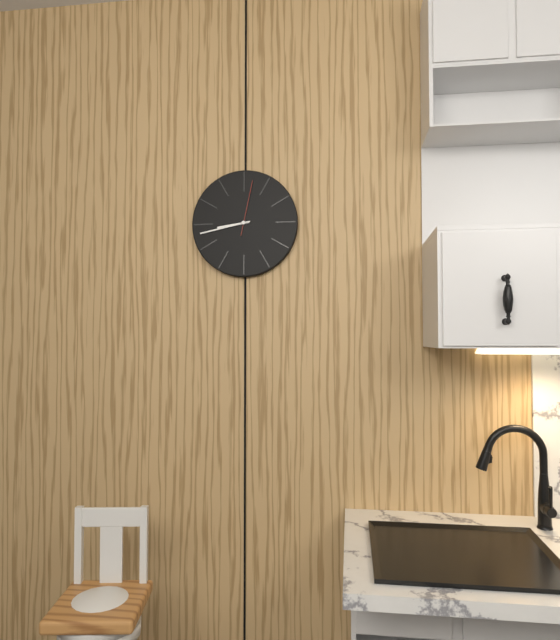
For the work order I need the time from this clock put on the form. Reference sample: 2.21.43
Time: 8.43.02
